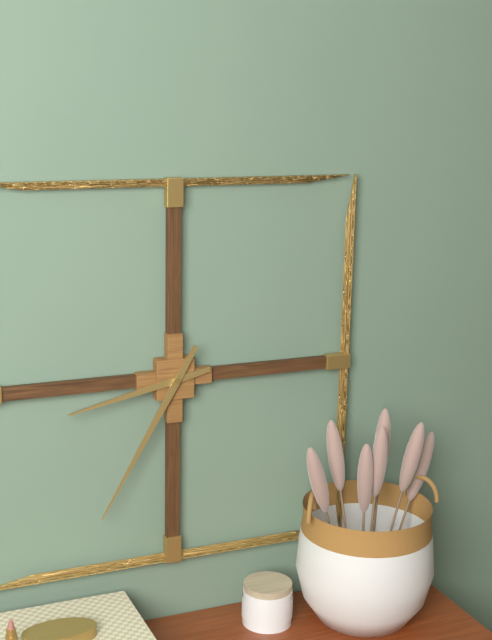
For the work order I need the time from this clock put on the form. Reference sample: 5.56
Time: 8.35
